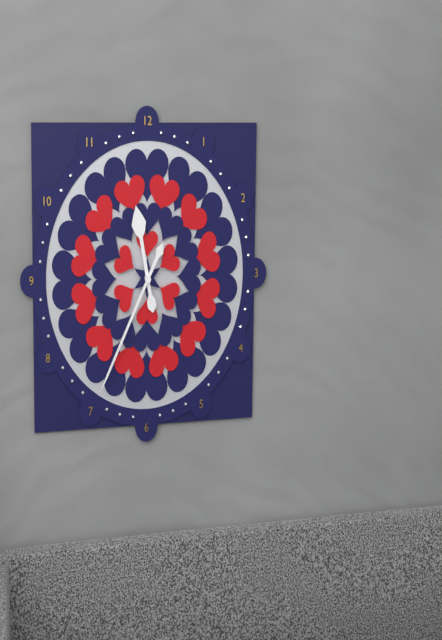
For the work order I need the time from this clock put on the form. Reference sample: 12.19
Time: 11.35
